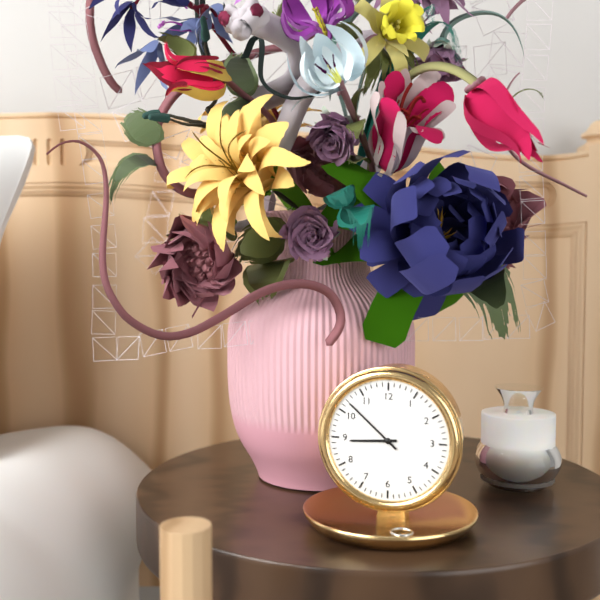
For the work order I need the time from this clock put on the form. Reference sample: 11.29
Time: 8.52
